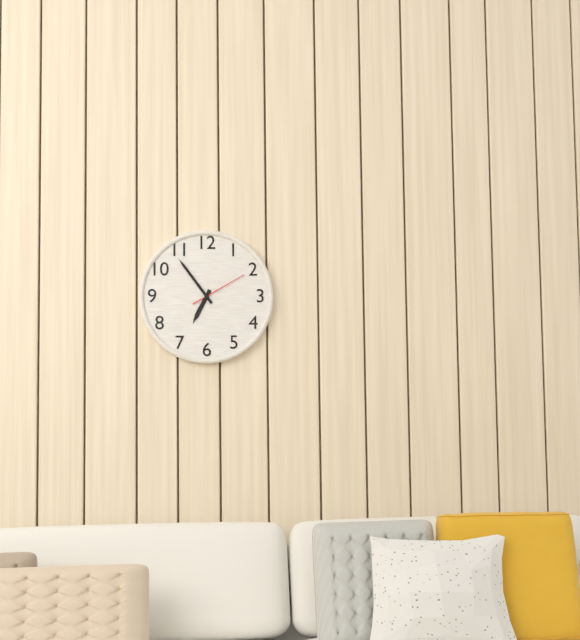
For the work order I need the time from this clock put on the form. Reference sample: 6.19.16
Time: 6.54.10
